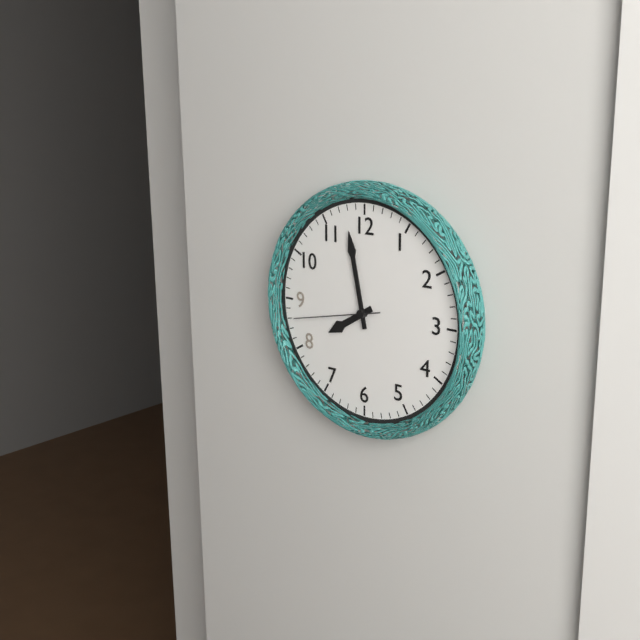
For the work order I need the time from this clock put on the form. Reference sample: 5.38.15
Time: 7.58.43
